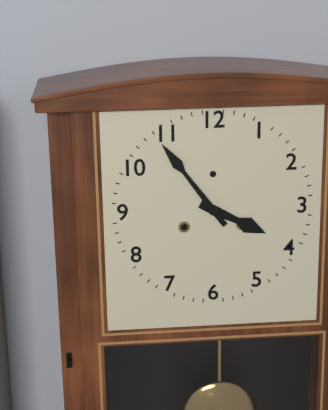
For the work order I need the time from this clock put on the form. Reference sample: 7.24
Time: 3.54
